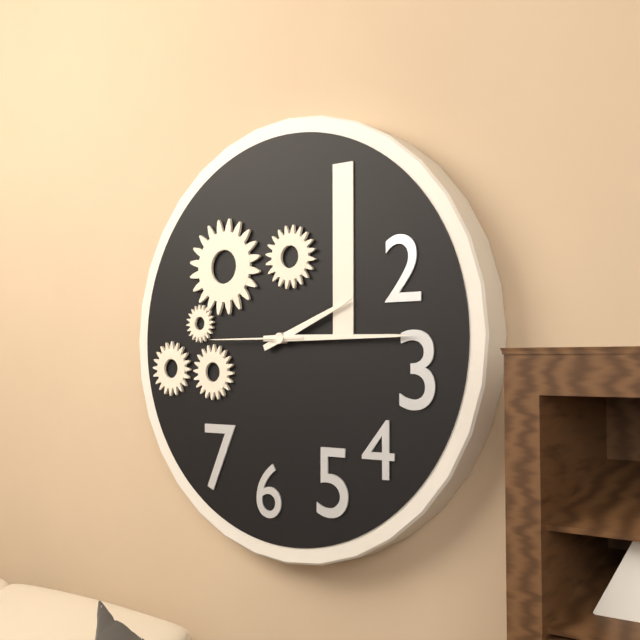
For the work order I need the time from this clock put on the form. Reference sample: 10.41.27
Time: 2.15.45
